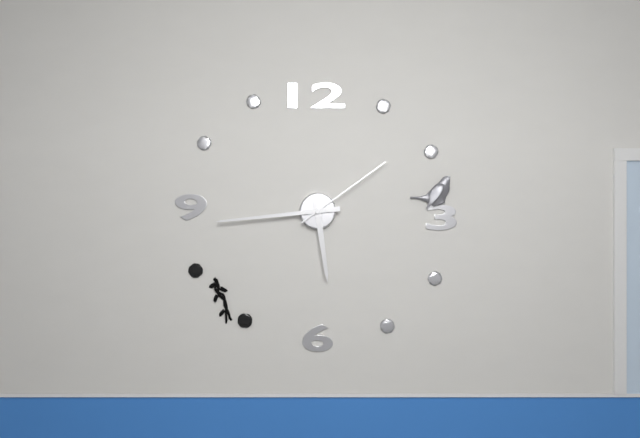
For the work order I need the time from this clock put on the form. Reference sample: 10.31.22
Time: 5.44.09
